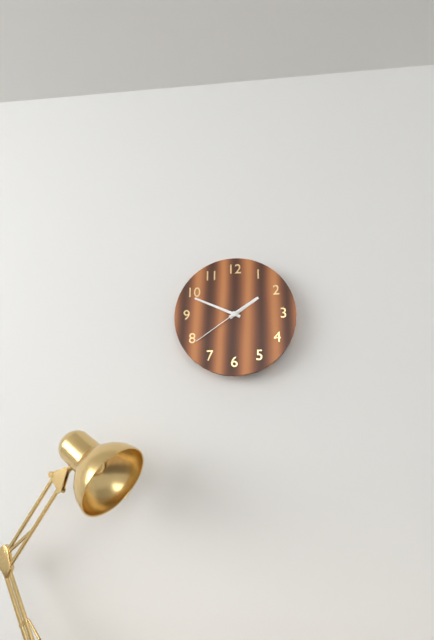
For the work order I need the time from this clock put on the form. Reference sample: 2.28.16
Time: 1.49.39
